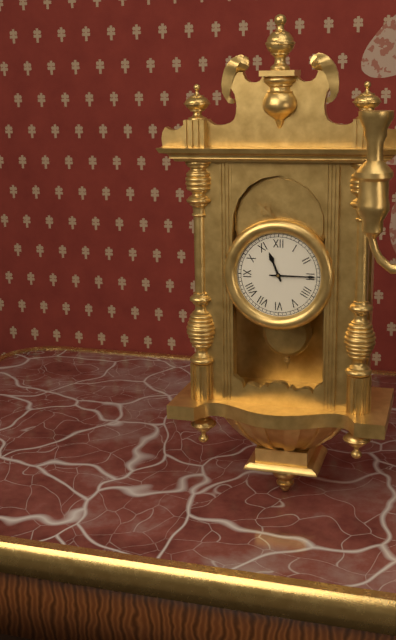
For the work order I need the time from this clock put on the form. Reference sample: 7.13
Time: 11.15
